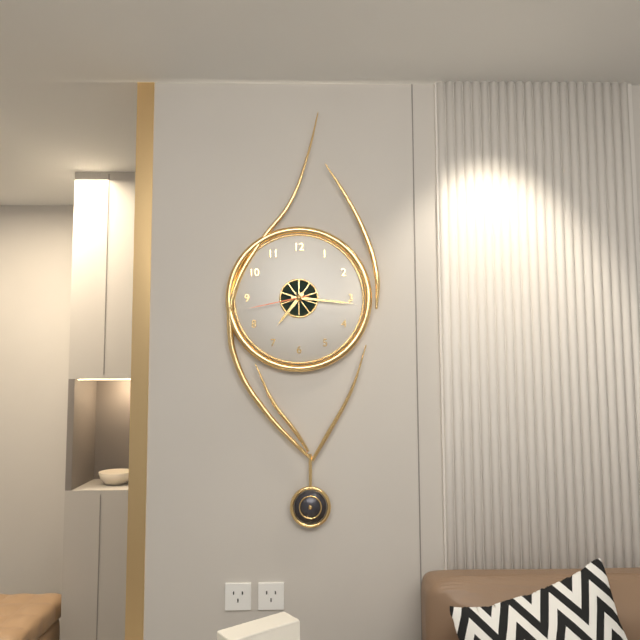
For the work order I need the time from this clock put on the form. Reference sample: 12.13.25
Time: 7.16.43
